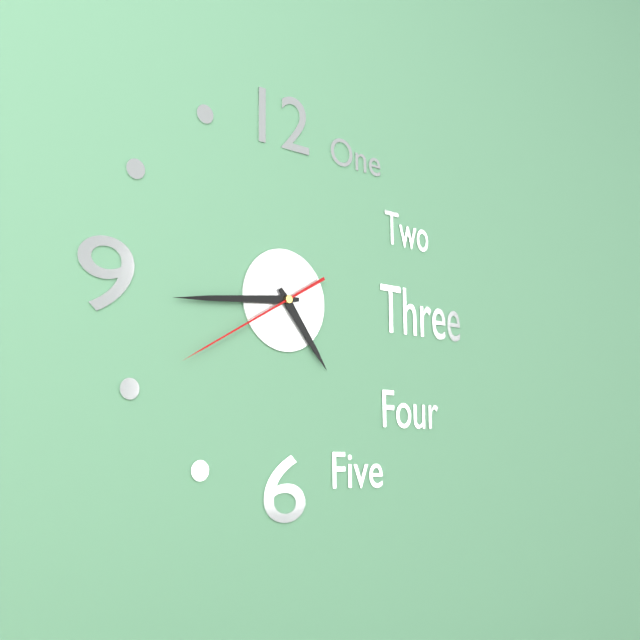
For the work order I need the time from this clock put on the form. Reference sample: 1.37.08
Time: 4.44.40
